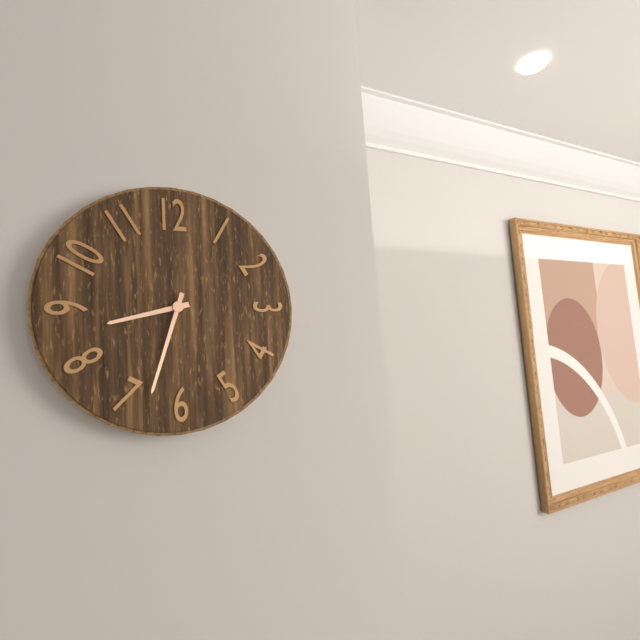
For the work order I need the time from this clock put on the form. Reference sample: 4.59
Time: 8.33
